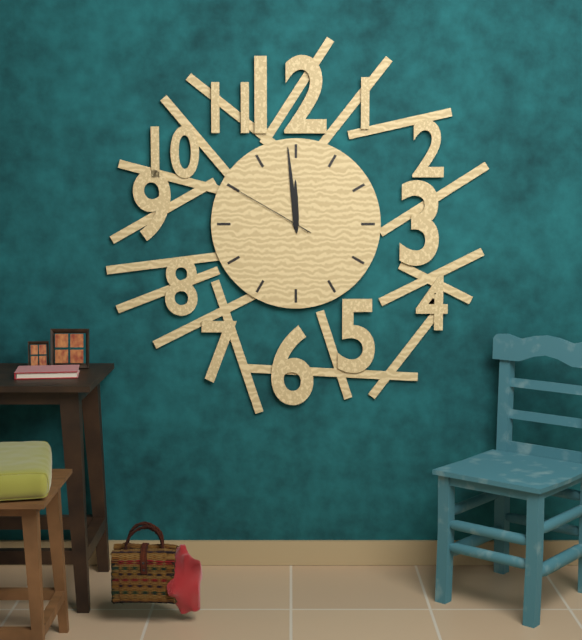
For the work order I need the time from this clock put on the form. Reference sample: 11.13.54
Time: 11.59.50
